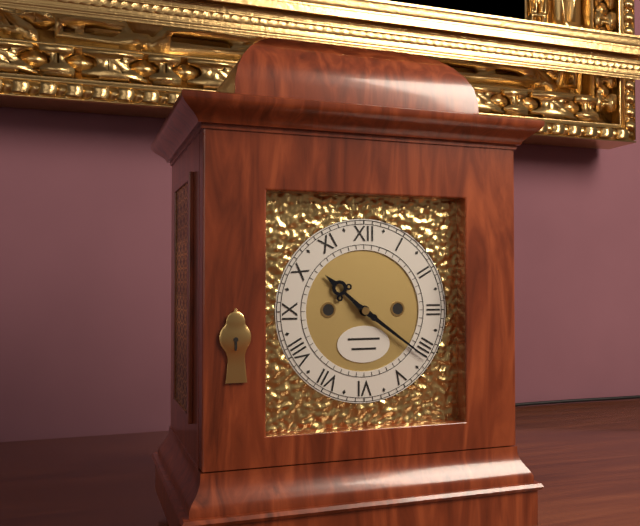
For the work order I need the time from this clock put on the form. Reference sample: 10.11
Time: 10.21
